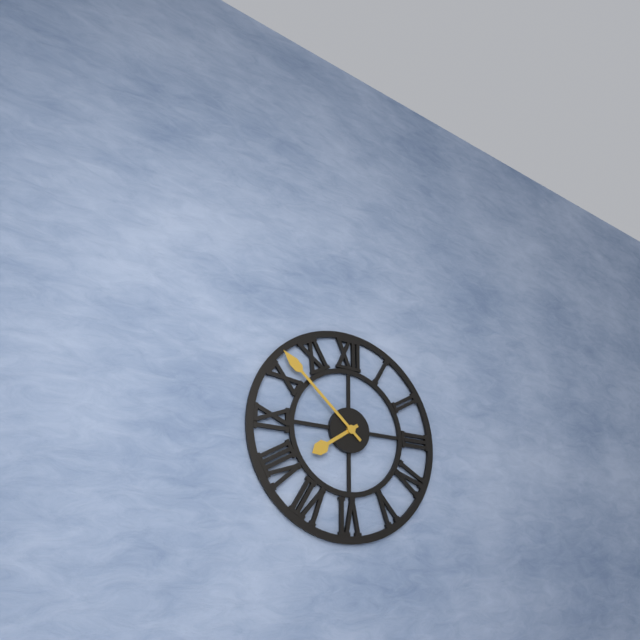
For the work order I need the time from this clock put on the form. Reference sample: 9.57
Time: 7.52
